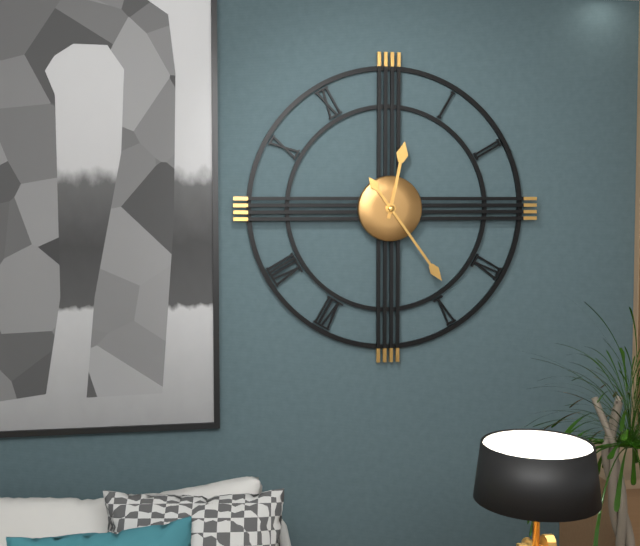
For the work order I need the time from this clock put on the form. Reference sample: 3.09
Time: 12.24
